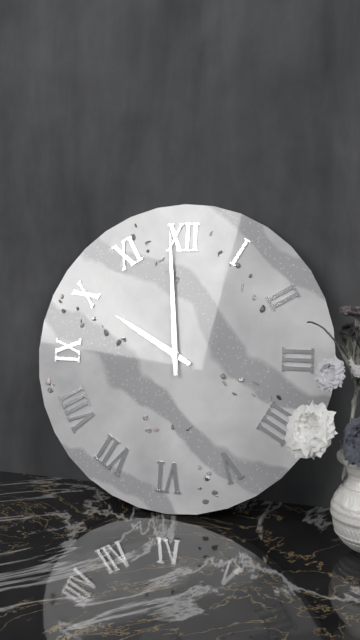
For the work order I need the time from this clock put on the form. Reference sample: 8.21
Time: 9.59
